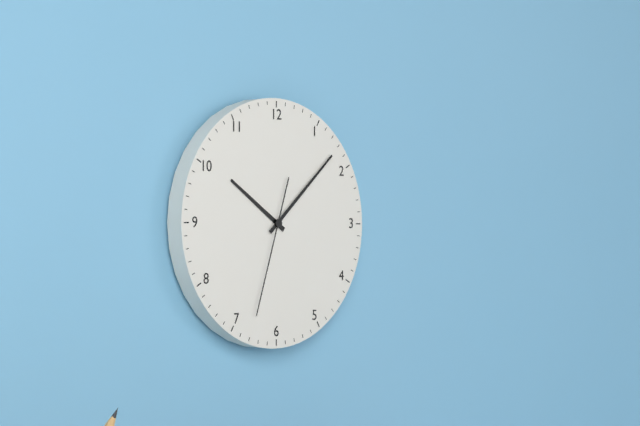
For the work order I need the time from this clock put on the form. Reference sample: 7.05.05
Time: 10.08.33
